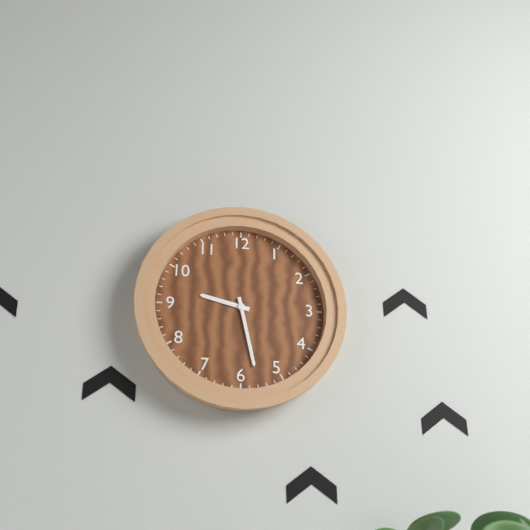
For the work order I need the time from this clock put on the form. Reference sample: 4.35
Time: 9.28
